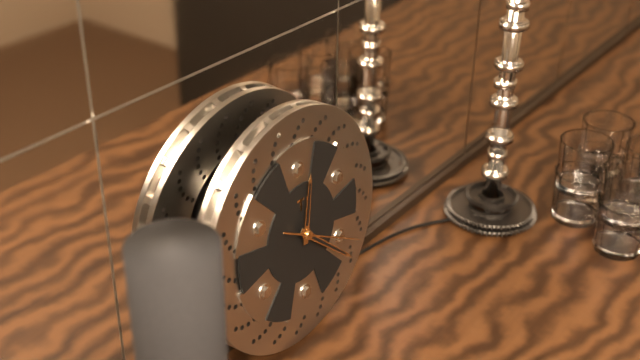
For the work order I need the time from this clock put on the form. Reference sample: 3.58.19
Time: 12.22.20
